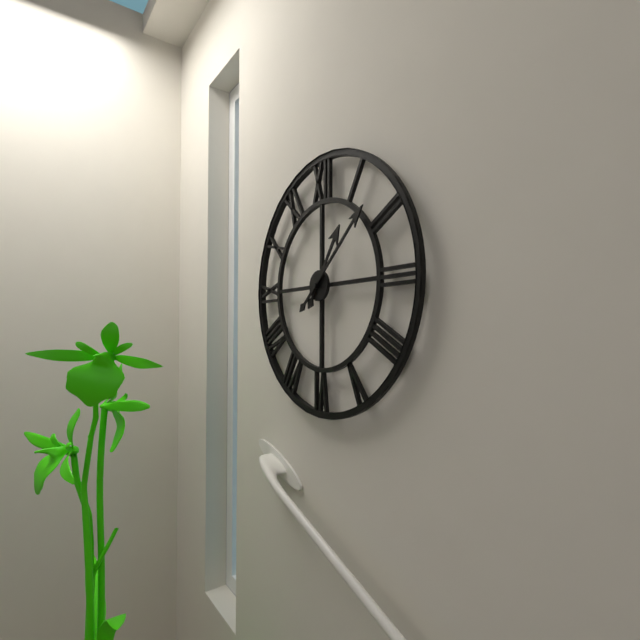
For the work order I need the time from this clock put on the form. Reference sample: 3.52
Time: 1.08
